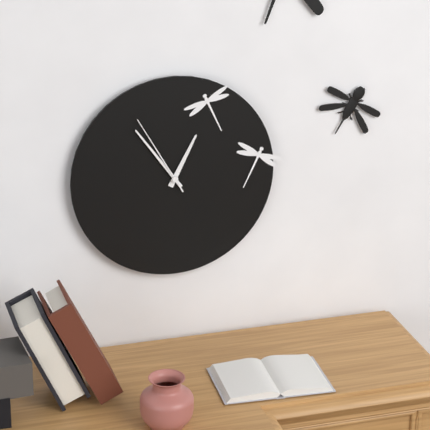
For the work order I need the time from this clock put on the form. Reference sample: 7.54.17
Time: 12.54.55
